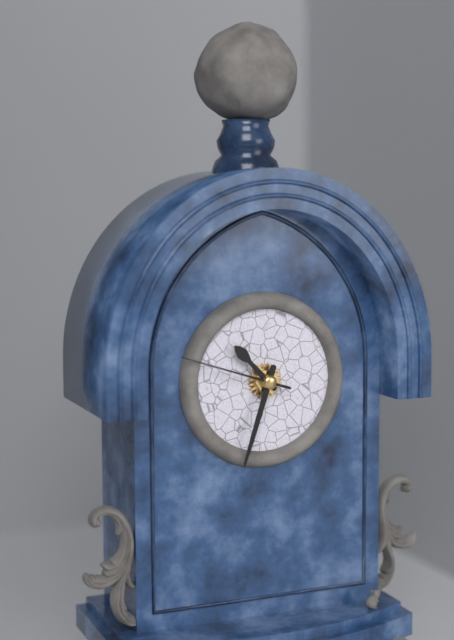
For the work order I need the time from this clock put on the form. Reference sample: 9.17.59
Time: 10.33.48
